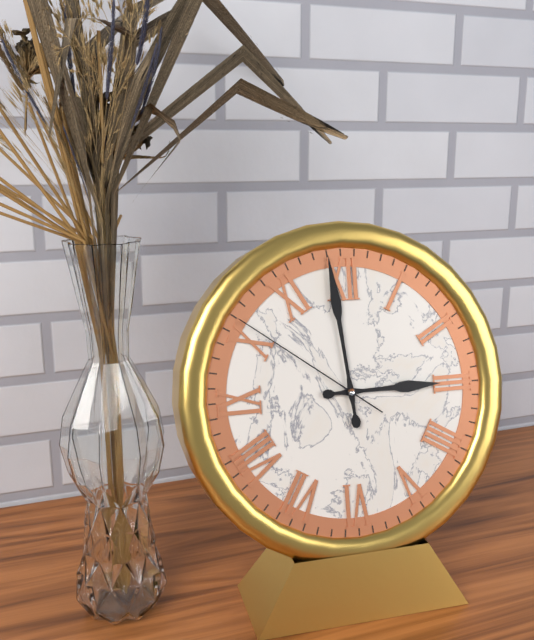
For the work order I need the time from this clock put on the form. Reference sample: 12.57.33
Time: 2.59.51
